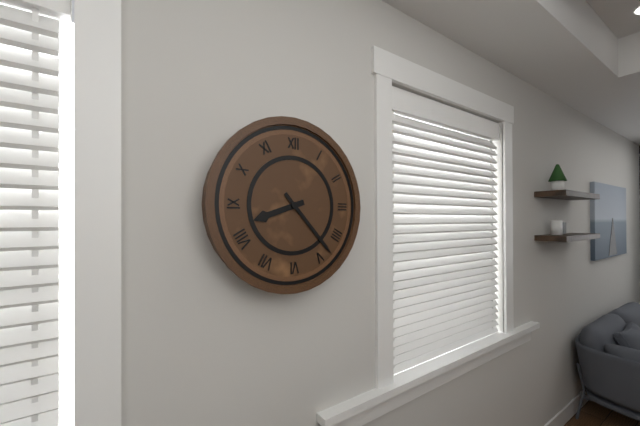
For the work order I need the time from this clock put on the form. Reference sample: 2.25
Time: 8.23
